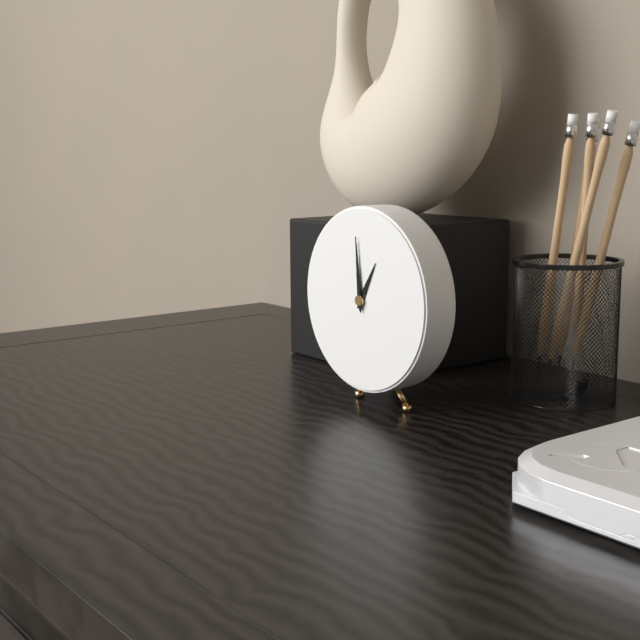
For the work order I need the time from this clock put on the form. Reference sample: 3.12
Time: 12.59
